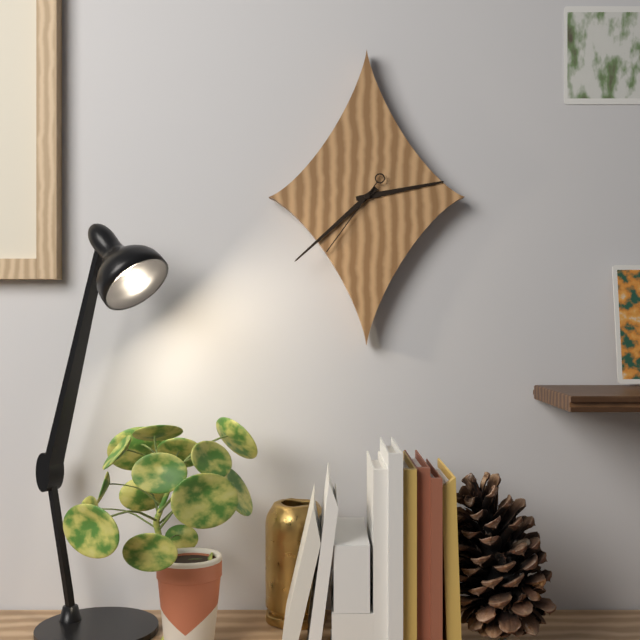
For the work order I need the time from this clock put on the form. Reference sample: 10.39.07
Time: 2.38.36
